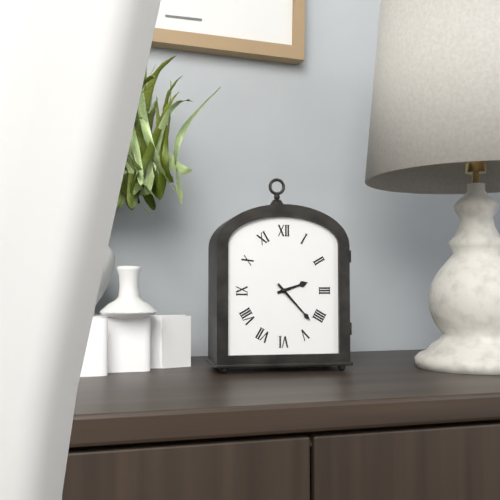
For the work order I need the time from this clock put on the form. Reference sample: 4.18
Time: 2.23
